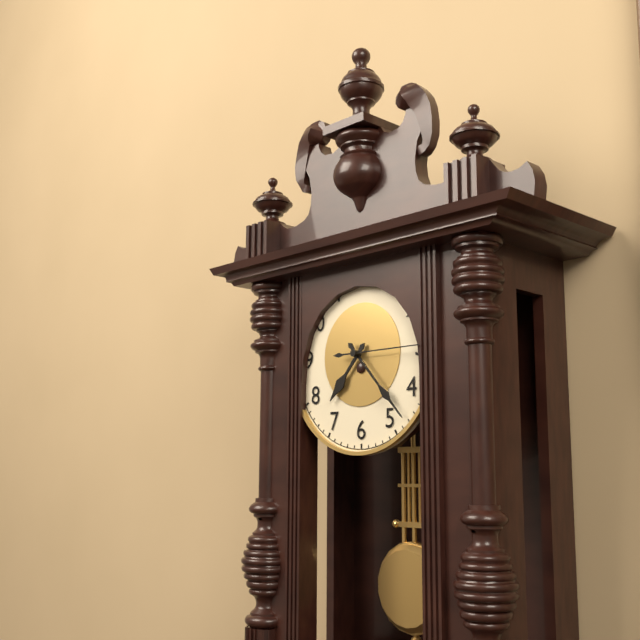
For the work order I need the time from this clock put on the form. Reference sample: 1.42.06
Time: 7.23.15
